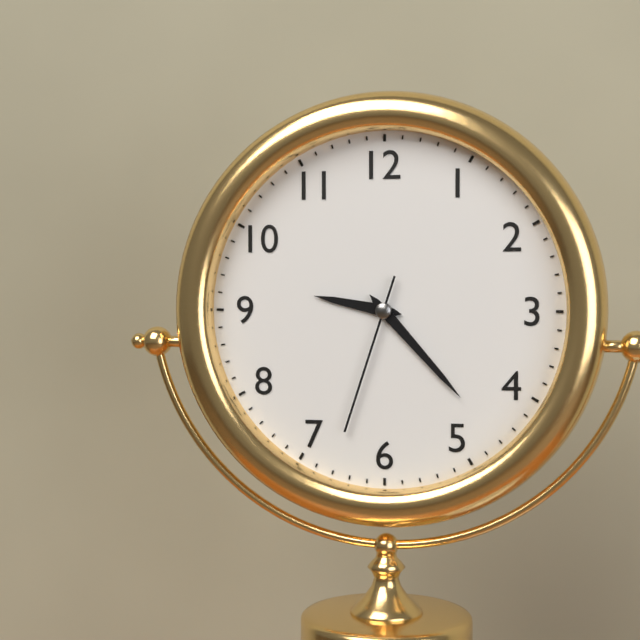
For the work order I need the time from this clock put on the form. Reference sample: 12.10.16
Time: 9.23.33
